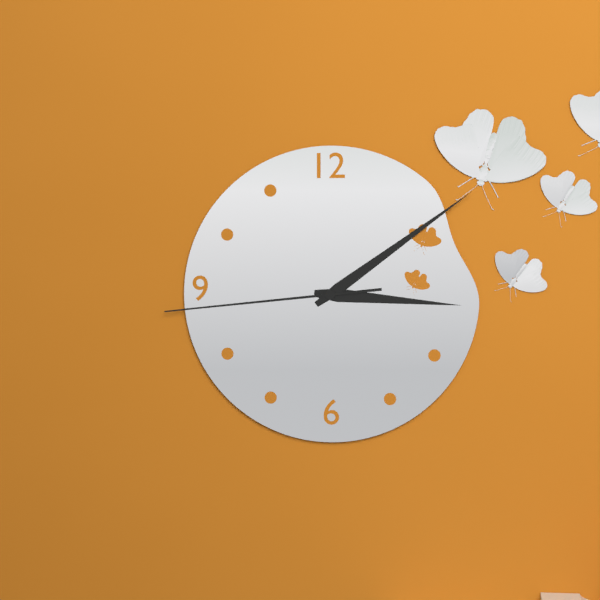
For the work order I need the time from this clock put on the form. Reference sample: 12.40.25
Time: 3.09.44
